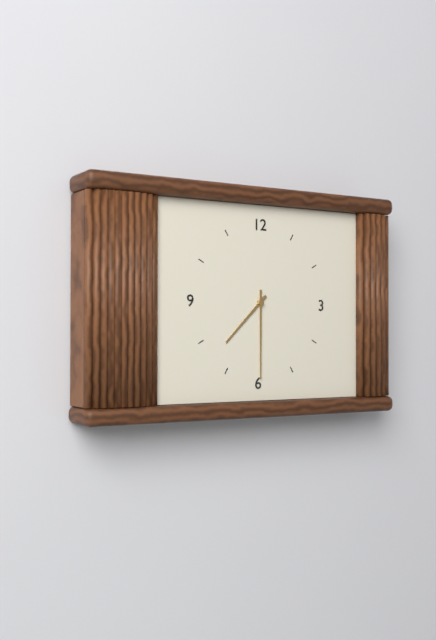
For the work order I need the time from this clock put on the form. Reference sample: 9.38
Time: 7.30
